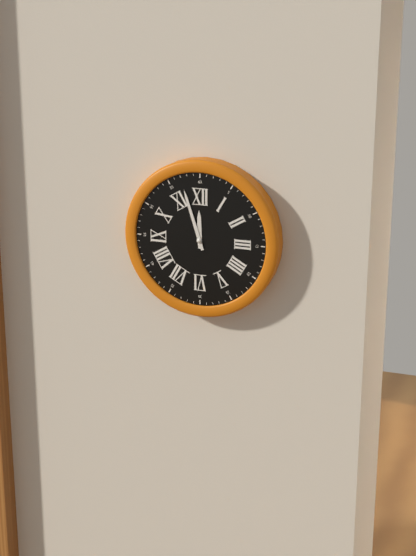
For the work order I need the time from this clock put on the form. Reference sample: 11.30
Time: 11.57
